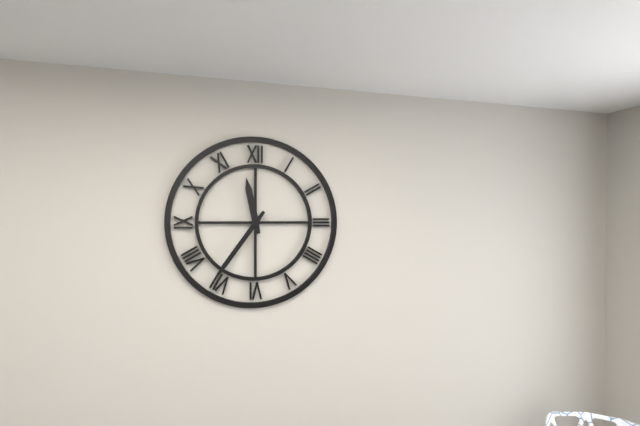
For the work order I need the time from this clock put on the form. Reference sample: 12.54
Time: 11.36
